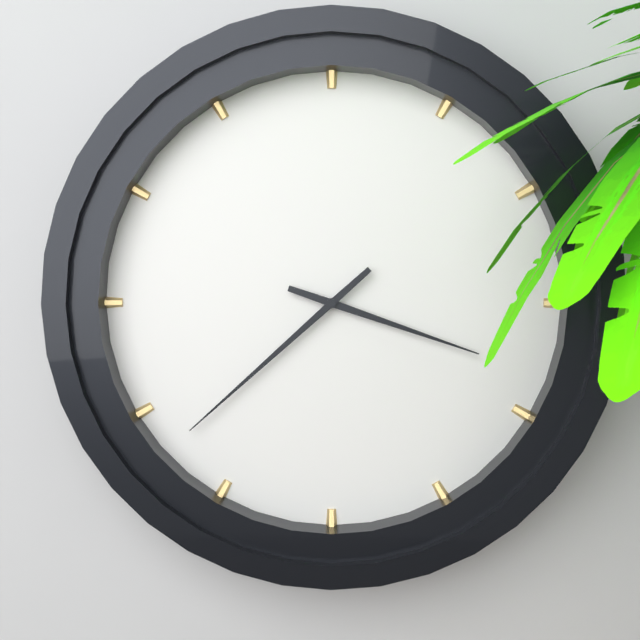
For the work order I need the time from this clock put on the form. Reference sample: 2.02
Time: 3.38
